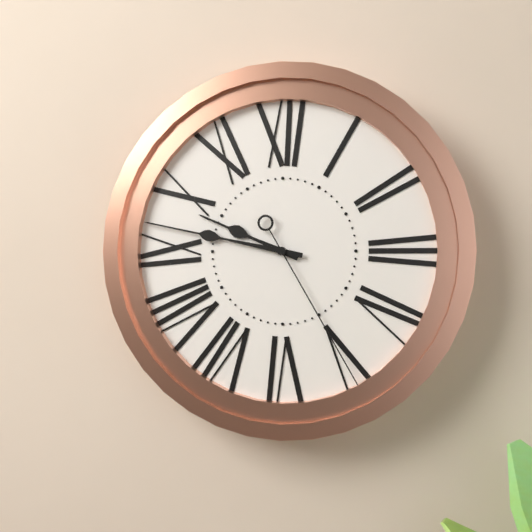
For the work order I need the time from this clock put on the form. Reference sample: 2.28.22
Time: 9.47.25
